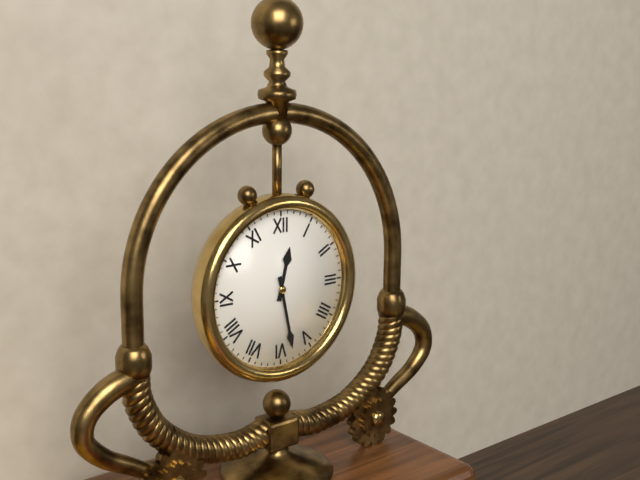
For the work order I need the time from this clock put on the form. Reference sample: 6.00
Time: 12.28
